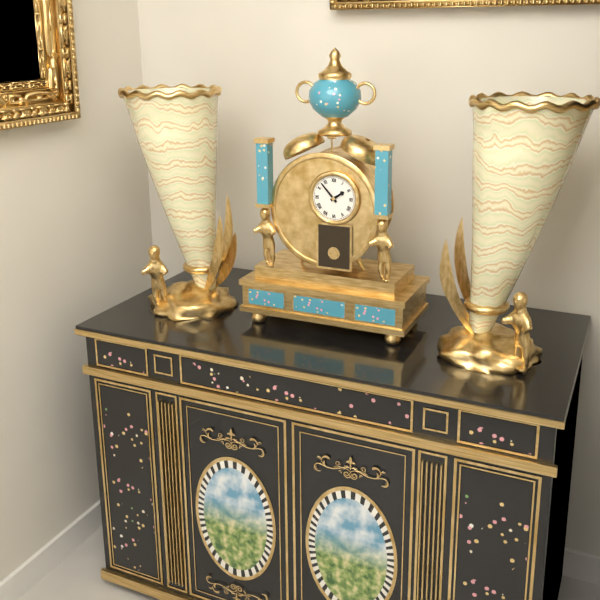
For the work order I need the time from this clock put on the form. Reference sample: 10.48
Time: 1.53
